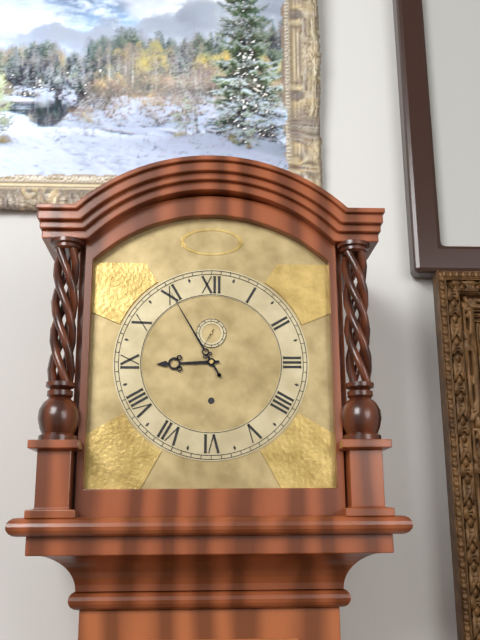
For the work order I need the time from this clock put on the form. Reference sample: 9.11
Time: 8.55
